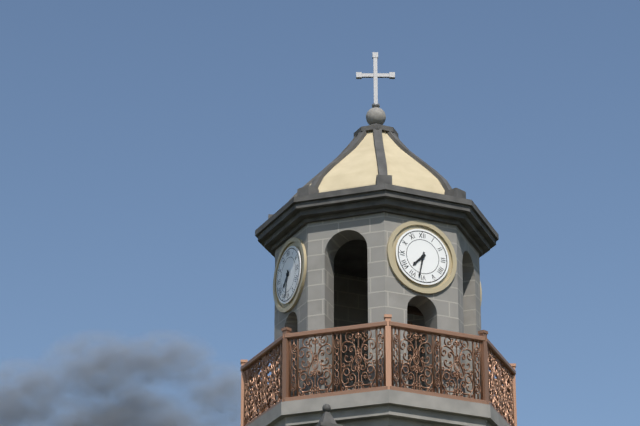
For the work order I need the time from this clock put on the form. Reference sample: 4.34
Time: 7.32
